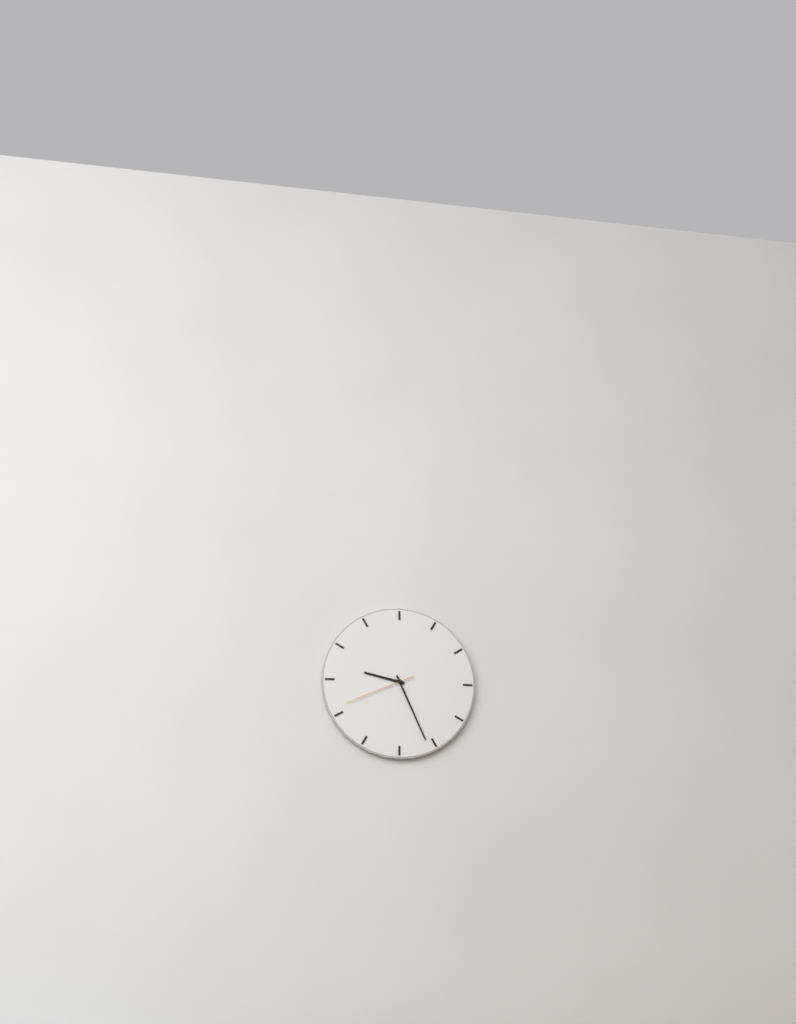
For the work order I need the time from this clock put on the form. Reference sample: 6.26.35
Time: 9.26.41
